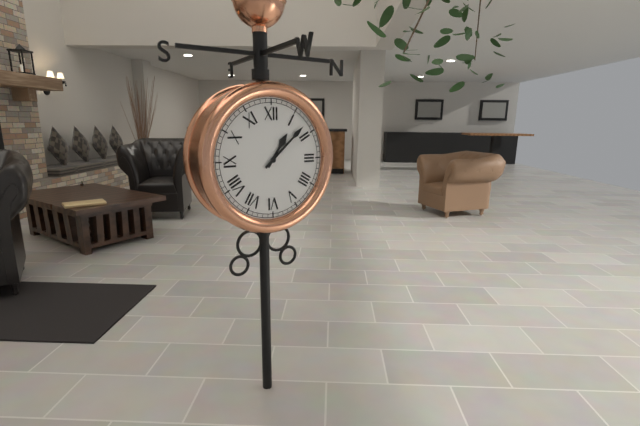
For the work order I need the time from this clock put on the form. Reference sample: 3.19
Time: 1.08
